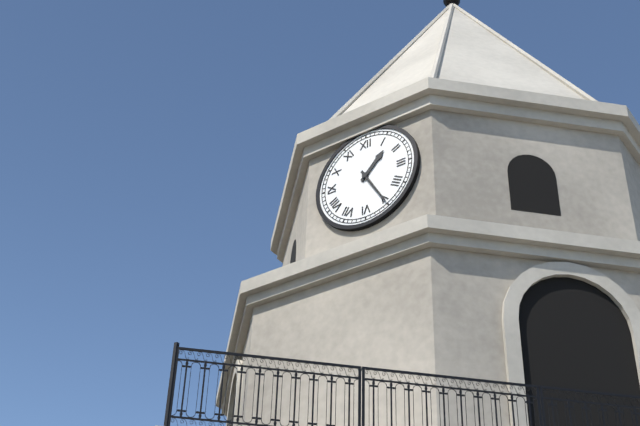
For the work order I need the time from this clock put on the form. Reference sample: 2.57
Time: 1.25
